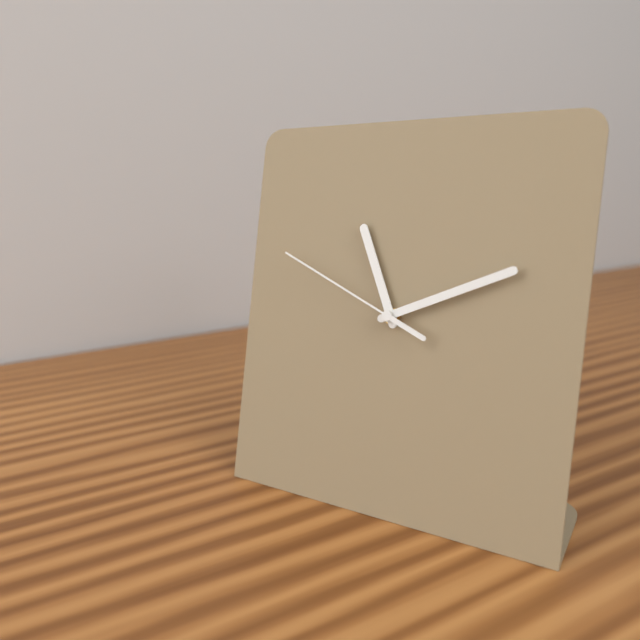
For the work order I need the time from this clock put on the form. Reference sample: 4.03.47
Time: 11.11.49
